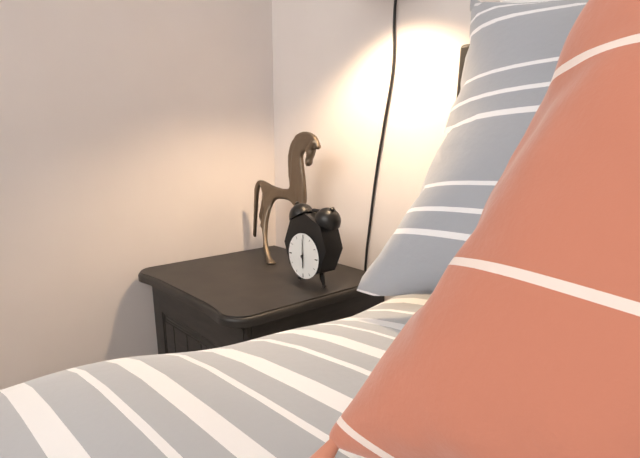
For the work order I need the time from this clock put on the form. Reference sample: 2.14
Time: 6.00
